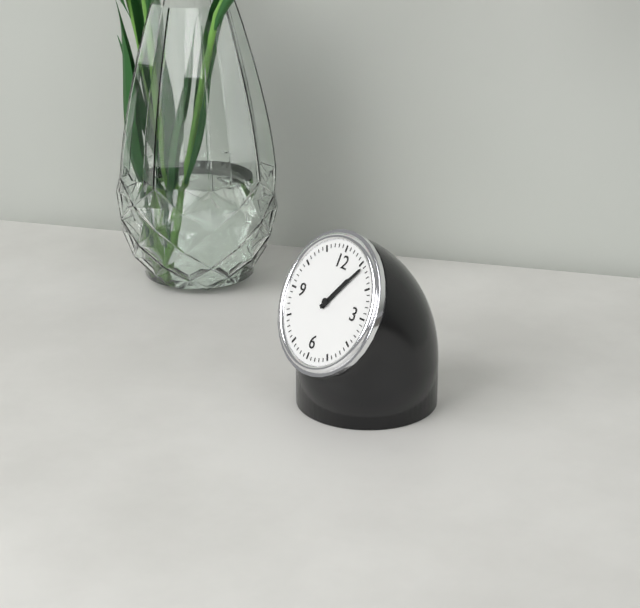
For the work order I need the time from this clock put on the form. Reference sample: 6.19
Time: 1.06
